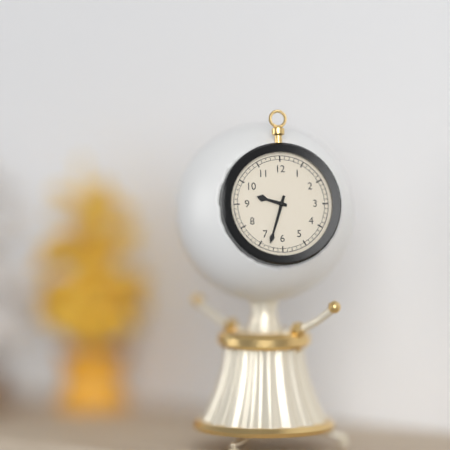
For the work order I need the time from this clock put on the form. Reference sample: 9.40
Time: 9.33
